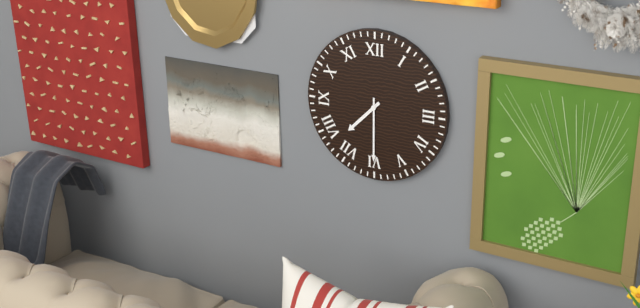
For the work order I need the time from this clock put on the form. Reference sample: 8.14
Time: 7.30
